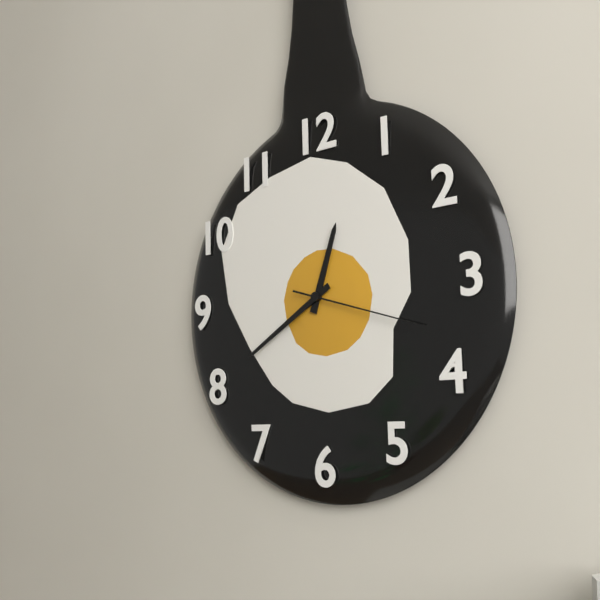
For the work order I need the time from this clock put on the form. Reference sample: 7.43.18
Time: 12.40.18
